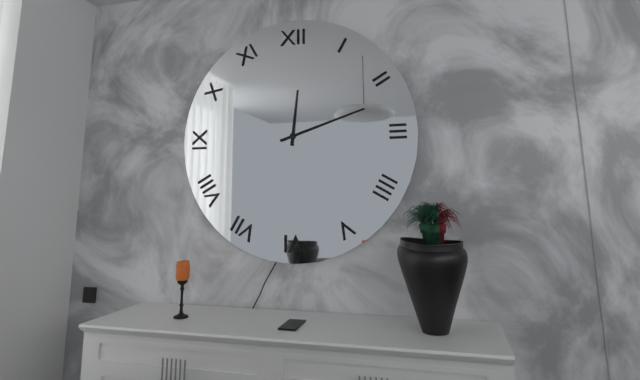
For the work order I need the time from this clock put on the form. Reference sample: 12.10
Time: 12.12
